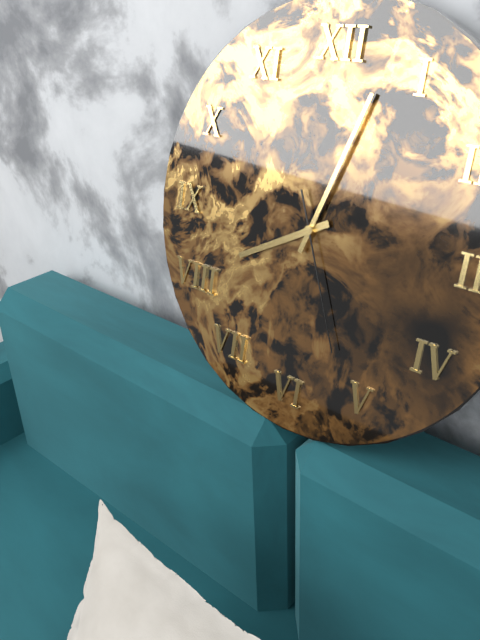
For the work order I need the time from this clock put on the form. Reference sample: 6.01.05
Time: 8.03.26
